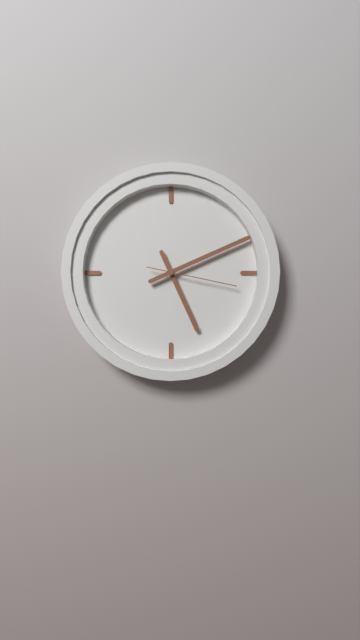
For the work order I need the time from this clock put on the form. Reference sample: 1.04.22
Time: 5.11.17
